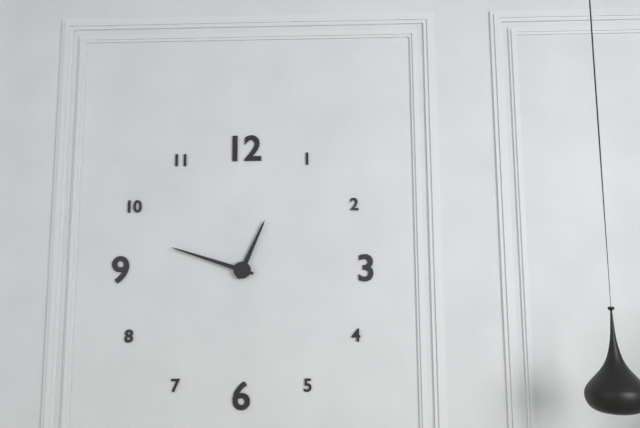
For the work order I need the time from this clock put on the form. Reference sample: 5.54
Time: 12.48
